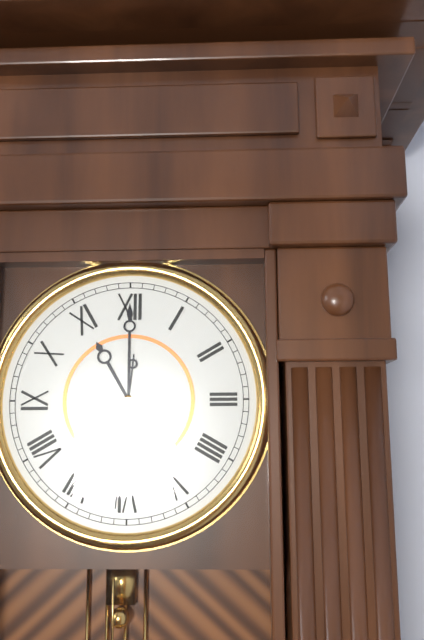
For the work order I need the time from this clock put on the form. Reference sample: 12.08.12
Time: 11.00.31
